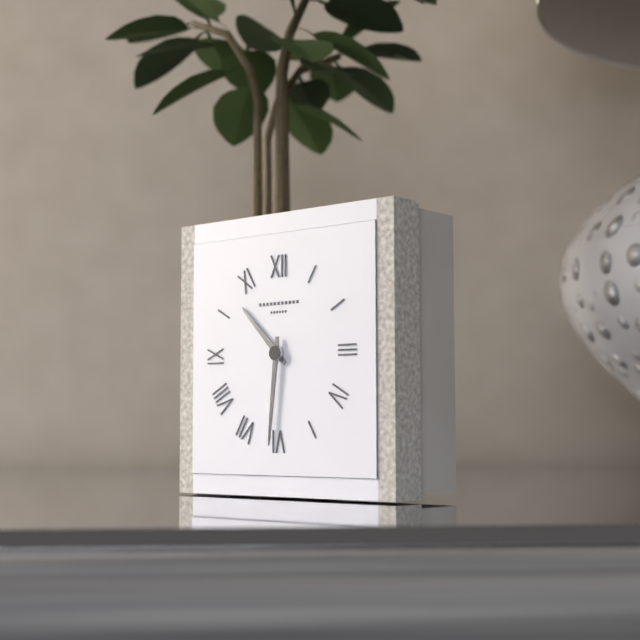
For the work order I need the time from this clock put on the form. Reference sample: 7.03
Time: 10.31
